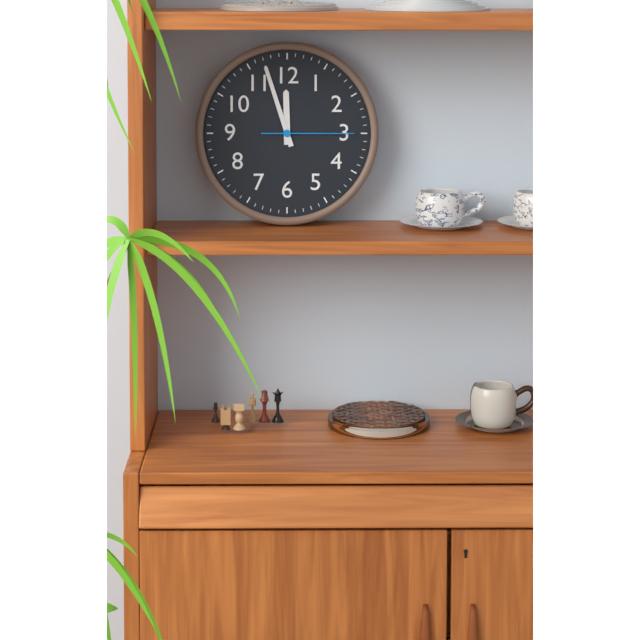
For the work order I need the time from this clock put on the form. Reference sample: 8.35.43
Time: 11.57.15
